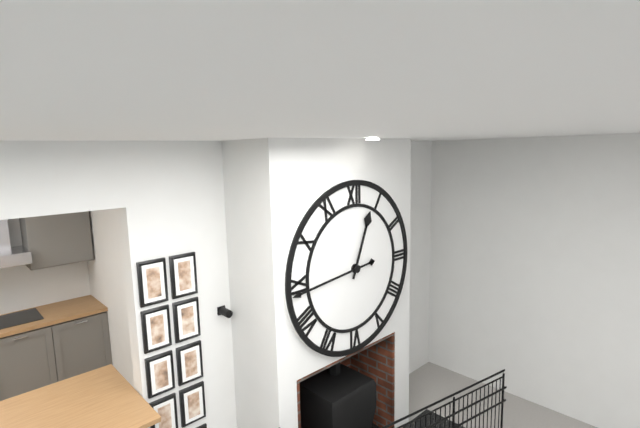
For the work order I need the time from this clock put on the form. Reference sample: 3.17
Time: 12.44
